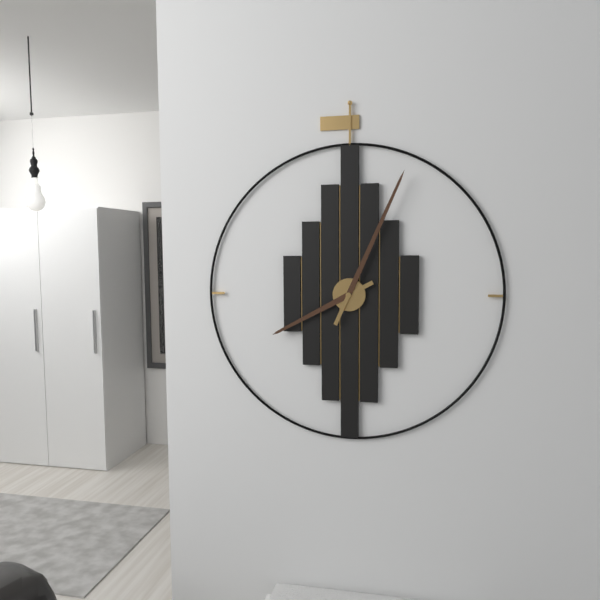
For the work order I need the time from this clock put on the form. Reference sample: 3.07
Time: 8.04
